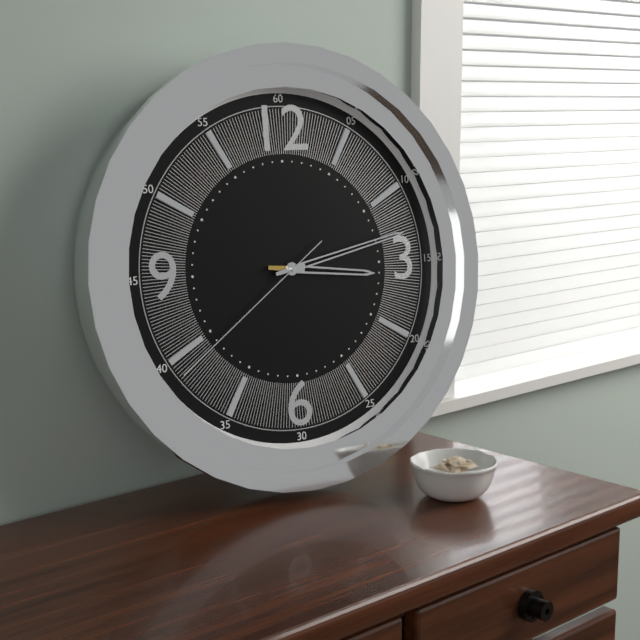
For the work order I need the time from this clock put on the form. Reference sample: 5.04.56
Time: 3.13.39
